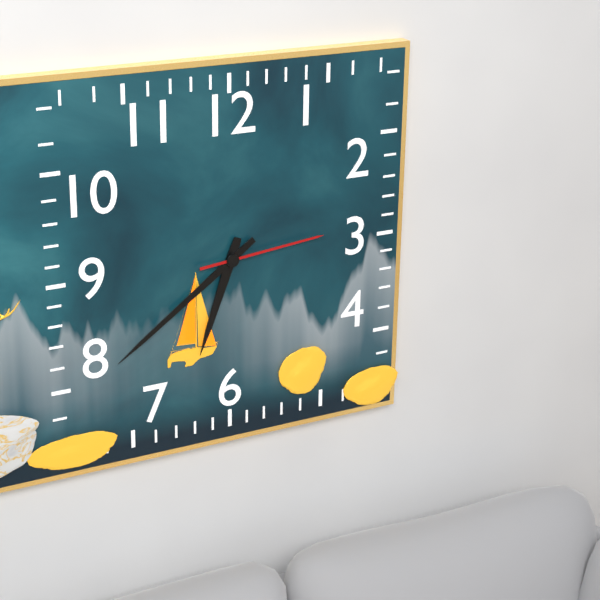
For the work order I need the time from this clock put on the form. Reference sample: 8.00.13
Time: 6.39.14
